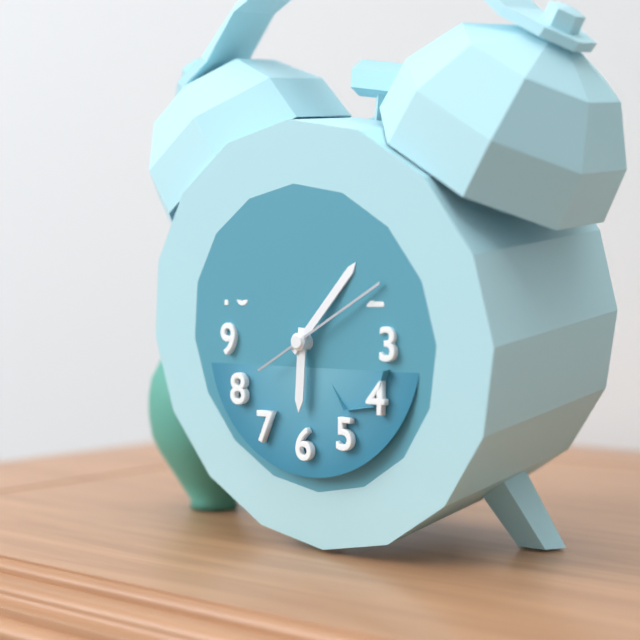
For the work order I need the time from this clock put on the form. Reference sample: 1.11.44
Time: 6.07.10
